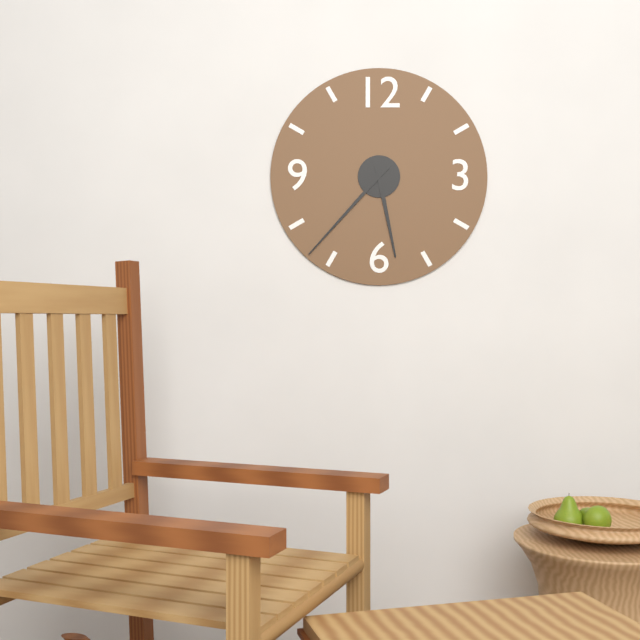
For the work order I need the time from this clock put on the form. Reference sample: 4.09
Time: 5.37
